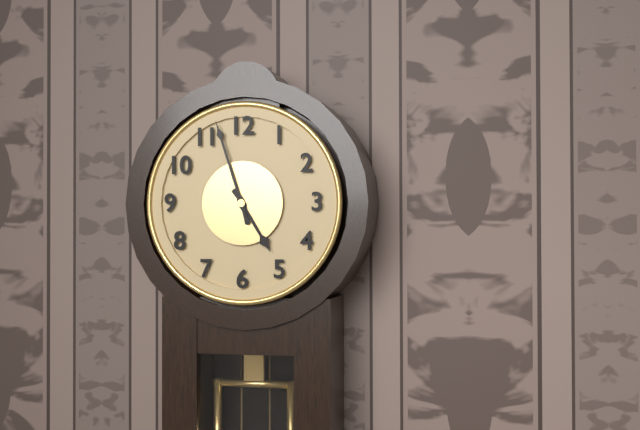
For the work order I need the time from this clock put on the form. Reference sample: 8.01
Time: 4.57
